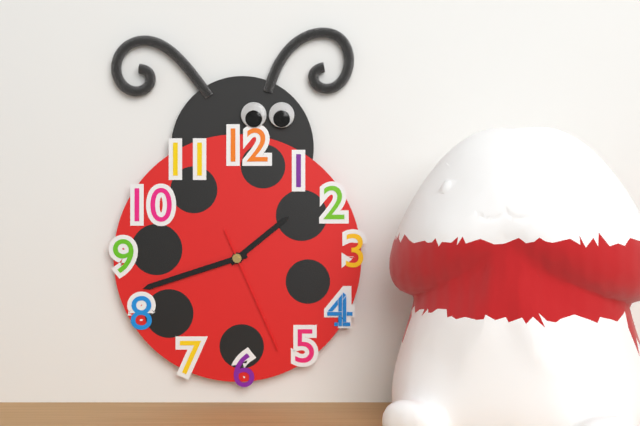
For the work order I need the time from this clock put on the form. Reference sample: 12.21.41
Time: 1.42.26
